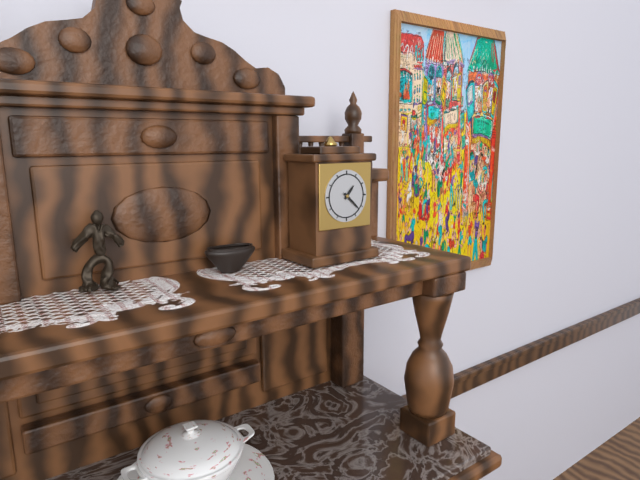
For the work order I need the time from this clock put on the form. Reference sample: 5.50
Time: 1.22
